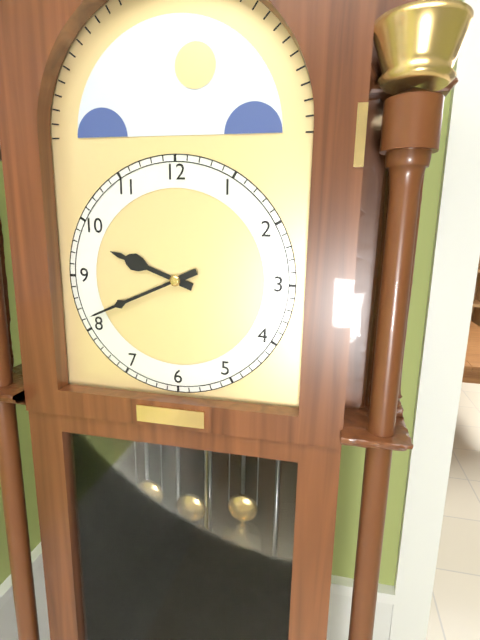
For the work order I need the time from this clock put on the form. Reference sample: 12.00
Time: 9.41
